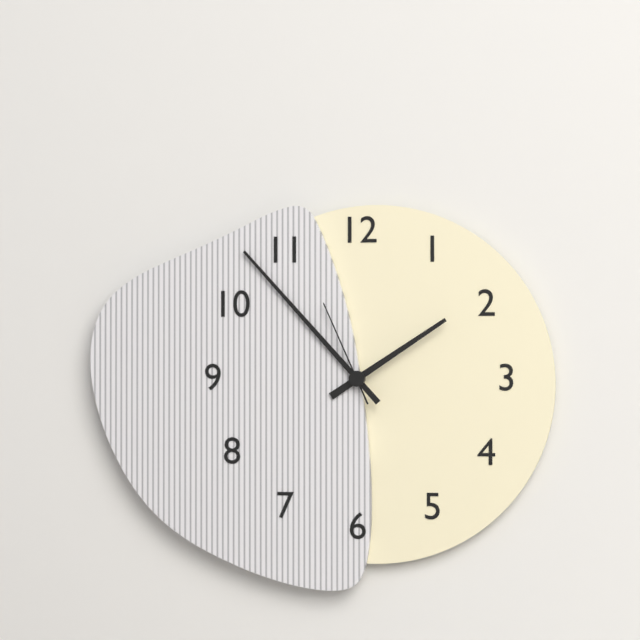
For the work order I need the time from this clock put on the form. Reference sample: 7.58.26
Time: 1.53.56
